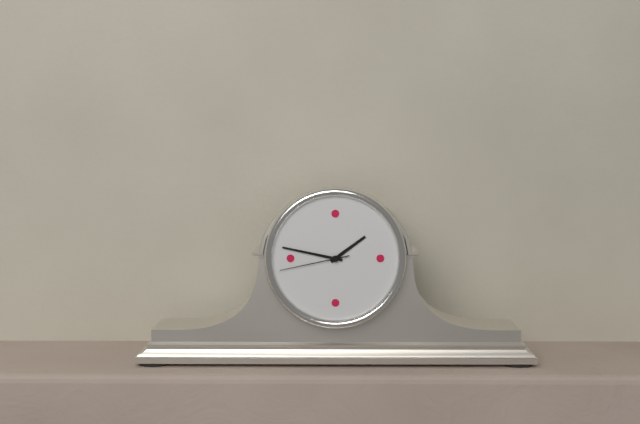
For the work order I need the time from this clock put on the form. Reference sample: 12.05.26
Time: 1.47.43
